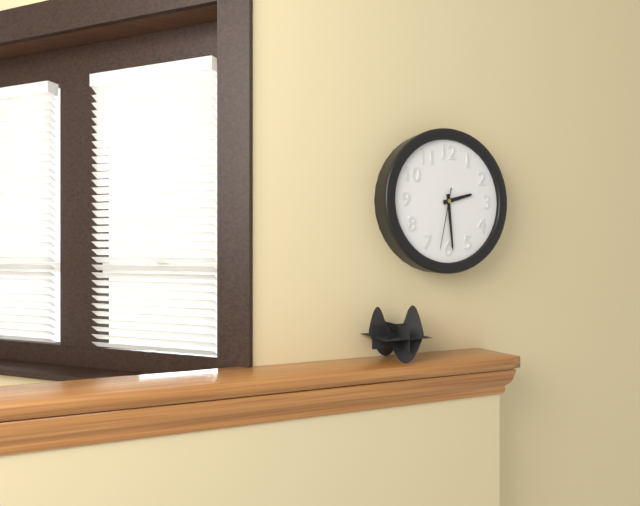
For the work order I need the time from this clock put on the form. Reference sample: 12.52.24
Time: 2.29.32
